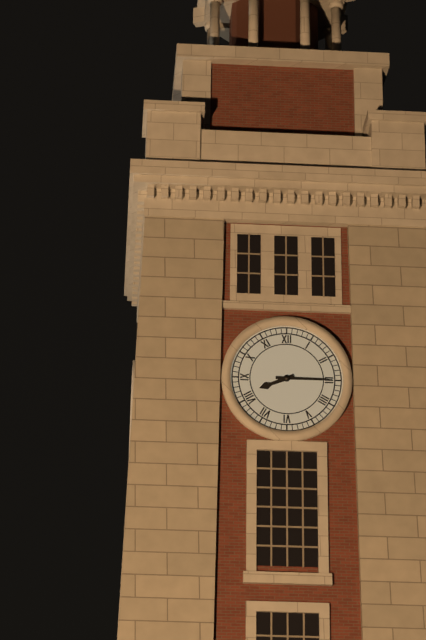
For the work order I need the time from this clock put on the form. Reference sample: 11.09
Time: 8.15
